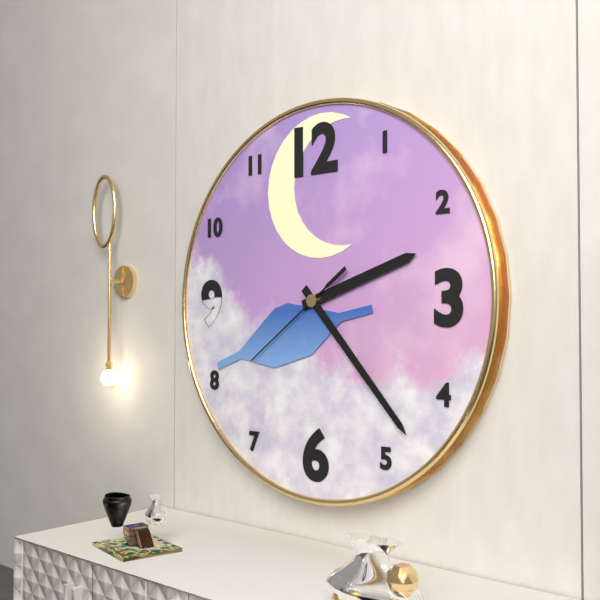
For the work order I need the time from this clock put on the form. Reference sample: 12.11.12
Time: 2.23.39
